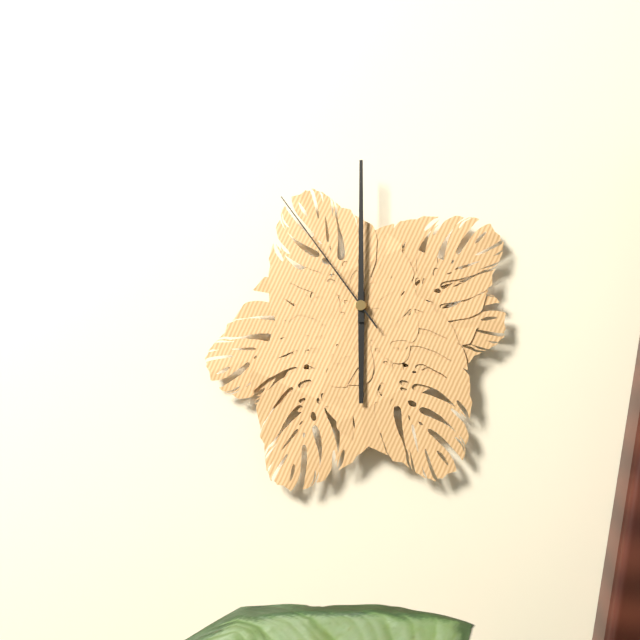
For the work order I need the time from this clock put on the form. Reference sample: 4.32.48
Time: 6.00.54
